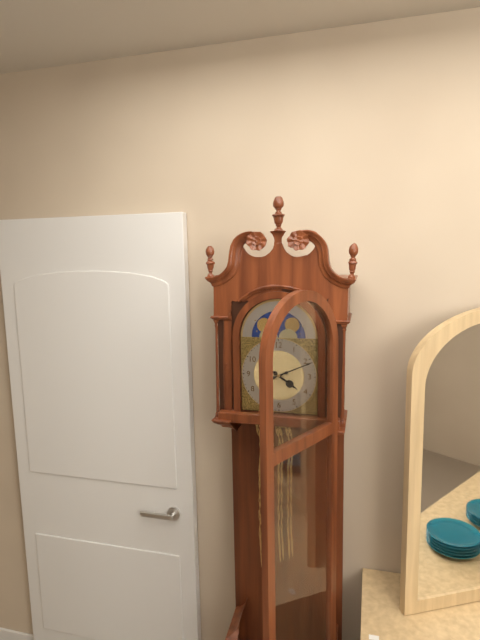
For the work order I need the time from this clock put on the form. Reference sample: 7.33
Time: 4.11
